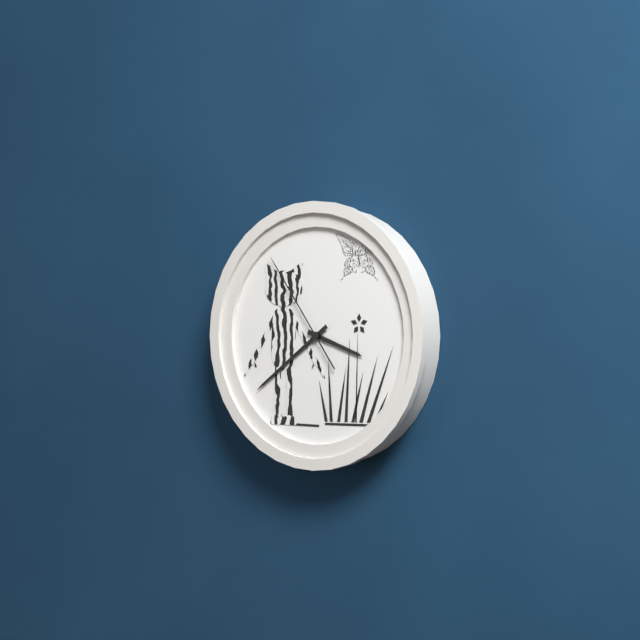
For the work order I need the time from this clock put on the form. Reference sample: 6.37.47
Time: 3.39.54
